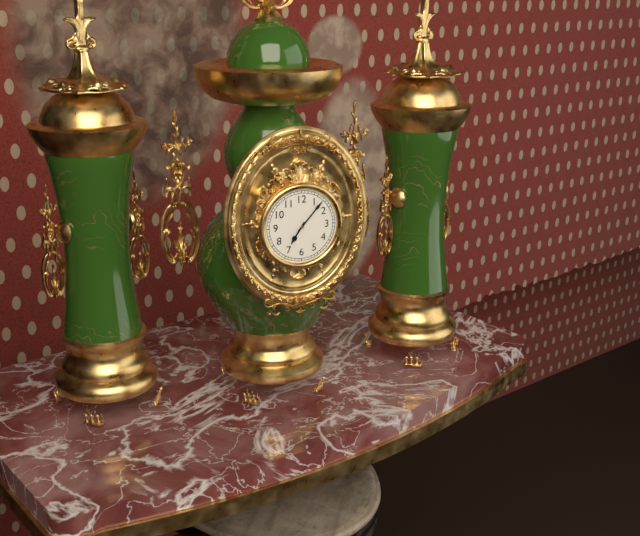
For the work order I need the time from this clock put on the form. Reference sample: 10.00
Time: 7.07
